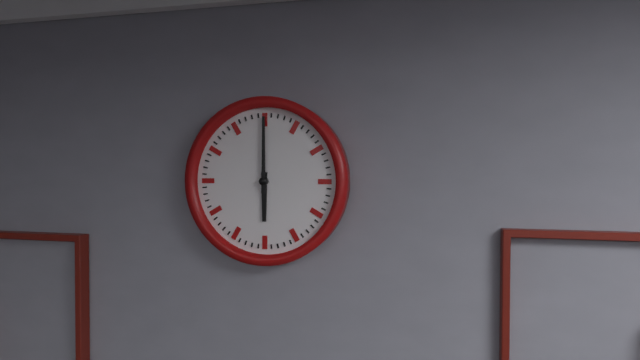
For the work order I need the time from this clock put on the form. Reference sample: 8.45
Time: 6.00
